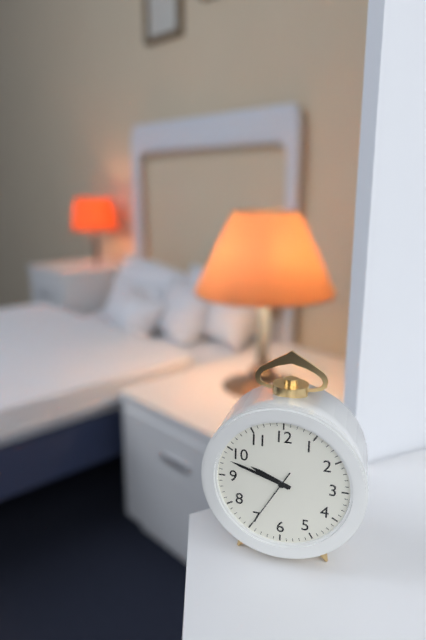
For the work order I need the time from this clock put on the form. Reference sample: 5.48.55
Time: 9.48.35
